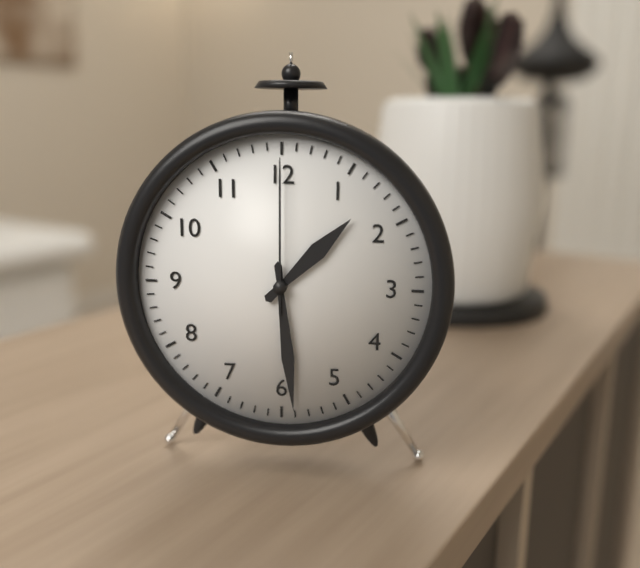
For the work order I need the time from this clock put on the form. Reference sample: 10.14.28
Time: 1.29.00
